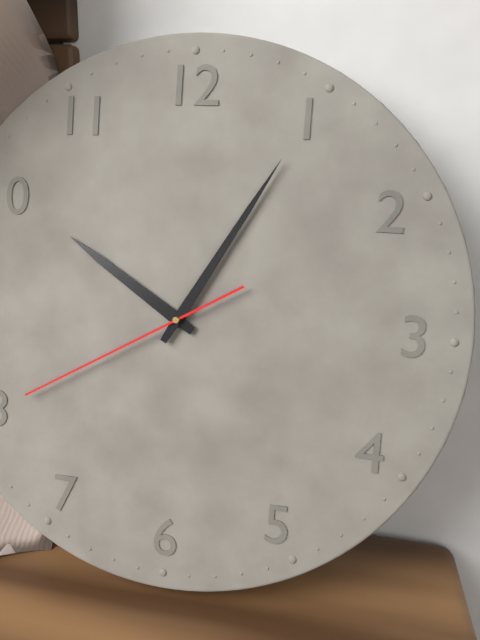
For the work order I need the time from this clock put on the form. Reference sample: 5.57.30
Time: 10.05.40
